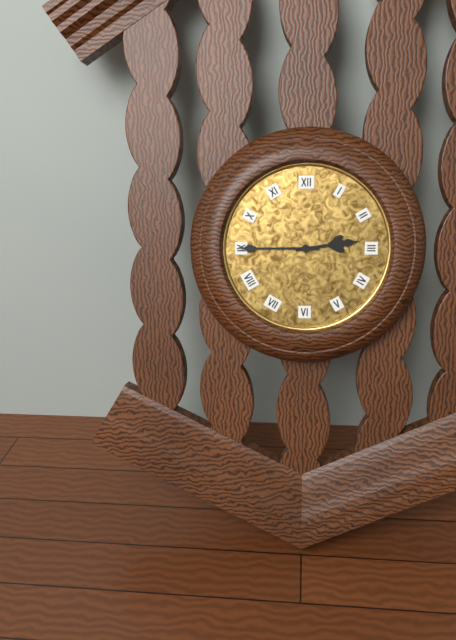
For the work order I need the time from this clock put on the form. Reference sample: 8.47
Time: 2.45
